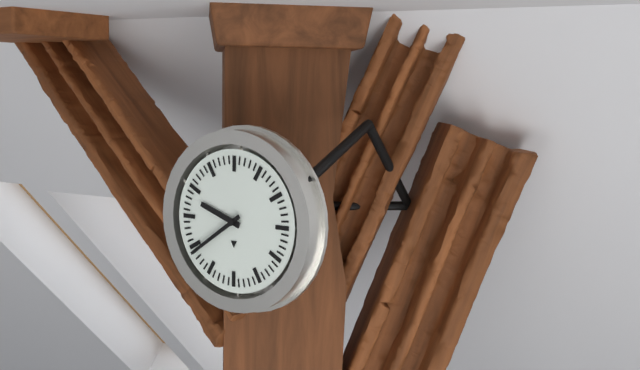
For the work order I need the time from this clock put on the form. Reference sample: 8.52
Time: 9.39
